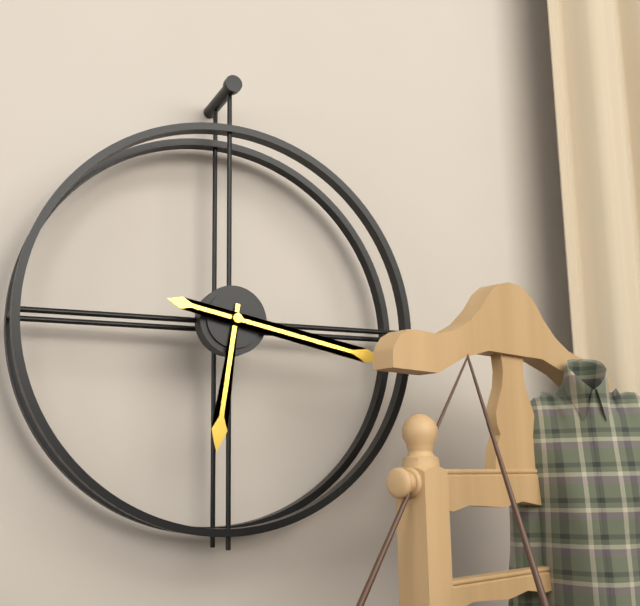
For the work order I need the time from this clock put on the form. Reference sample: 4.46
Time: 6.17
